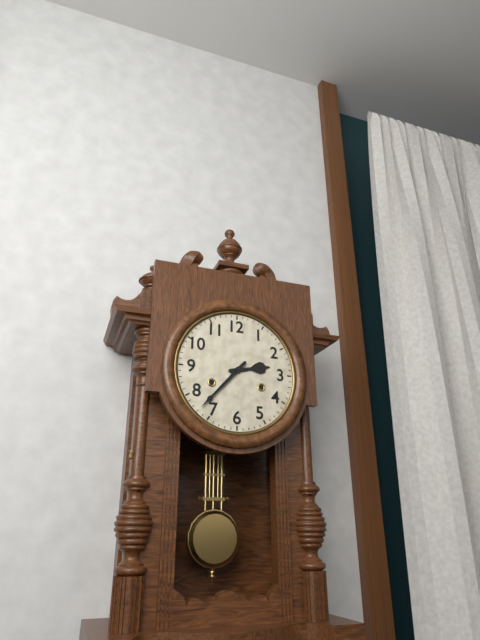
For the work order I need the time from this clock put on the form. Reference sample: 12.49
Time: 2.37
